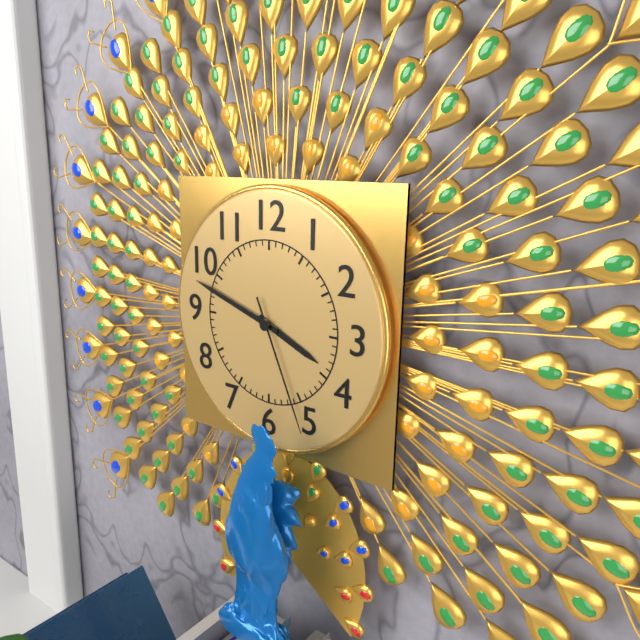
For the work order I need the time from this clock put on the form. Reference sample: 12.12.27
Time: 3.48.26
